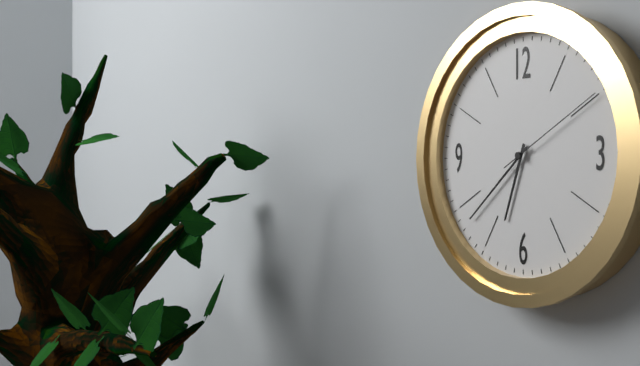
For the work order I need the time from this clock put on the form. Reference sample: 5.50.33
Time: 6.38.10
